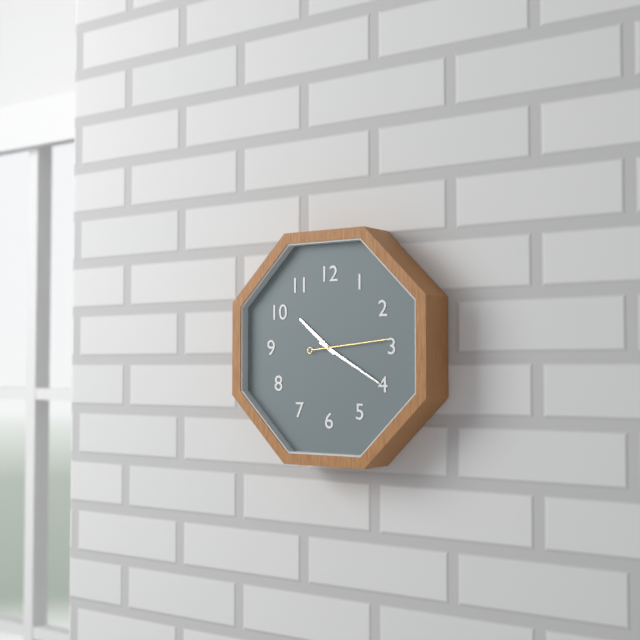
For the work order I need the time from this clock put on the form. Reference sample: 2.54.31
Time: 10.20.14
